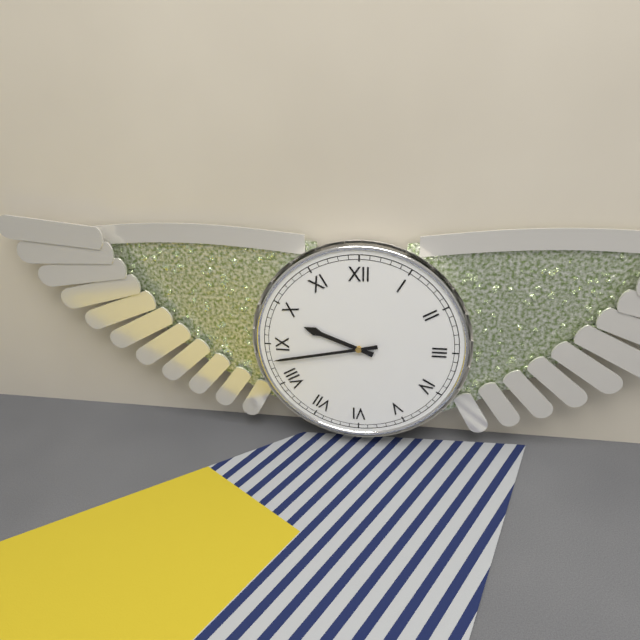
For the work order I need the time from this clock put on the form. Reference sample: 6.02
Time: 9.43
